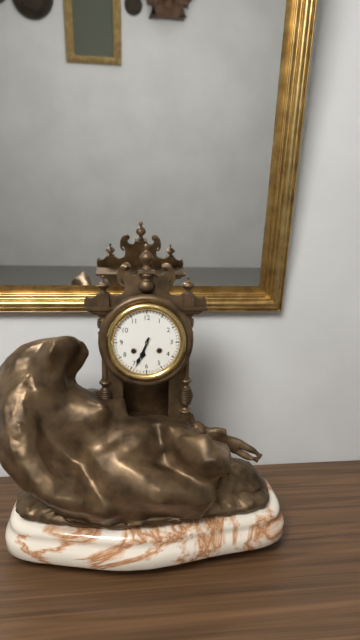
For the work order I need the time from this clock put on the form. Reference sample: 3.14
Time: 6.34
